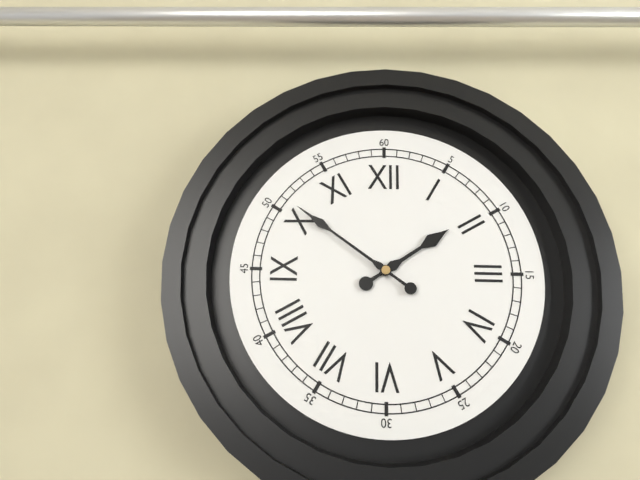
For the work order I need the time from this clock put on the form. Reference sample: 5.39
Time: 1.51
